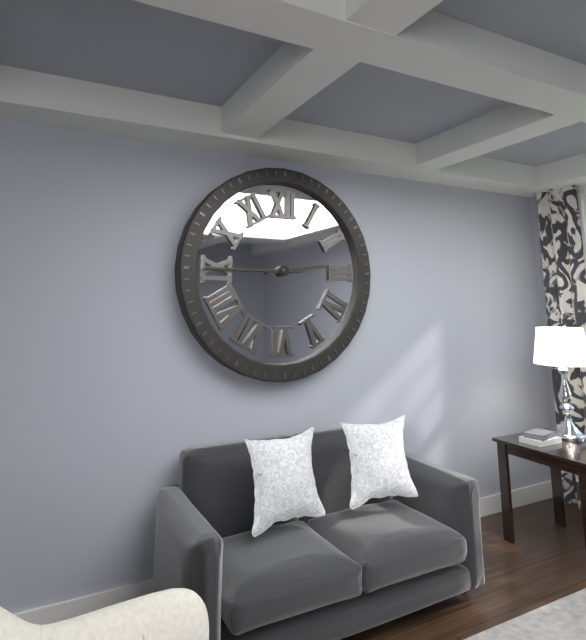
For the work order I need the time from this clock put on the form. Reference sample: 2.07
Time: 2.45
